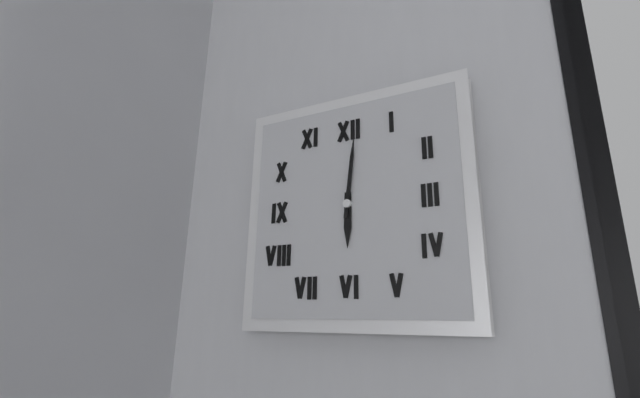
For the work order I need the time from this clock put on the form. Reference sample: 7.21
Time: 6.01
